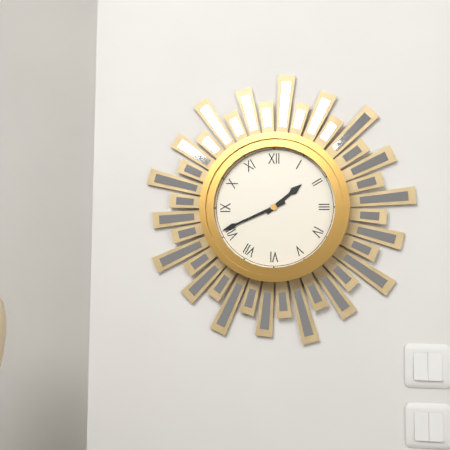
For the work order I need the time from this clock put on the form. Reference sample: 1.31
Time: 1.41
